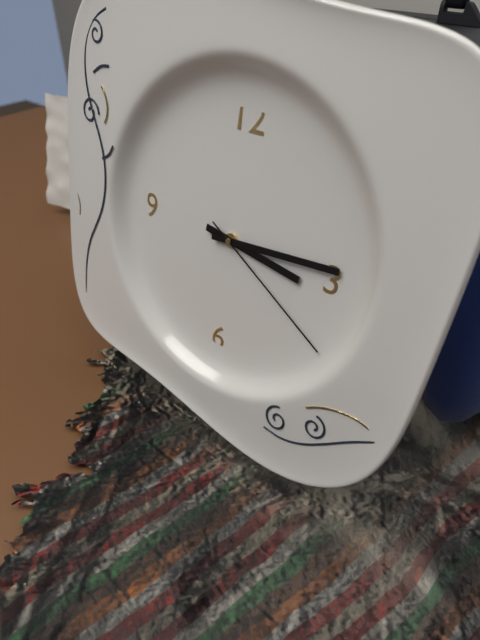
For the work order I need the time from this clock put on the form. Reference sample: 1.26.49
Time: 3.14.20
